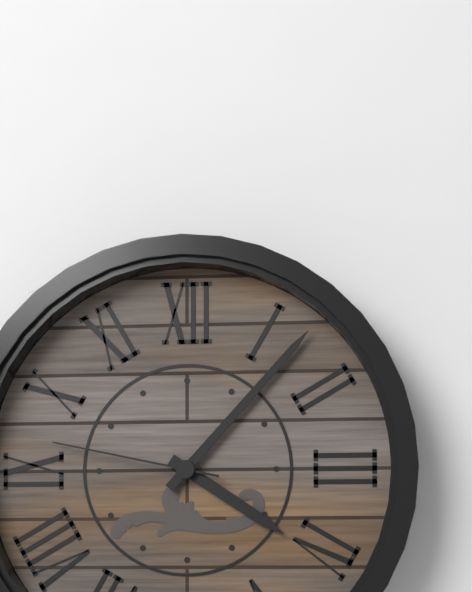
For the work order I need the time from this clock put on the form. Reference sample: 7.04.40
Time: 4.07.47
